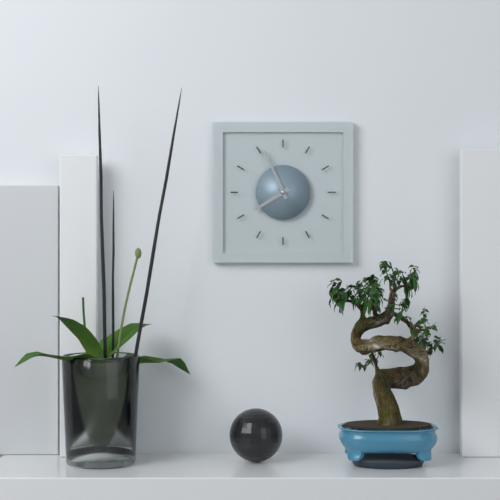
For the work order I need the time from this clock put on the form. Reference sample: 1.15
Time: 7.56
